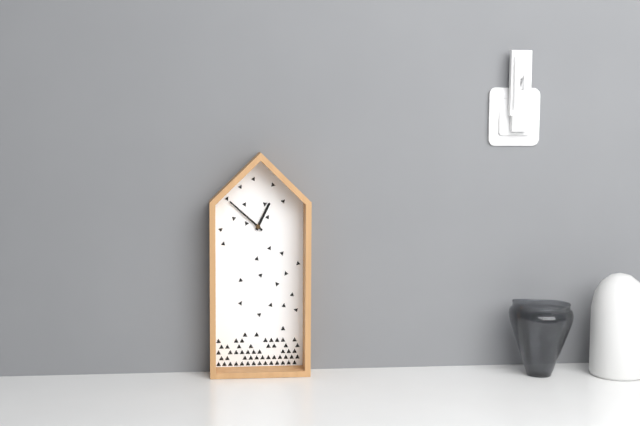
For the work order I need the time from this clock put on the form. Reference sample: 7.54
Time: 12.52
